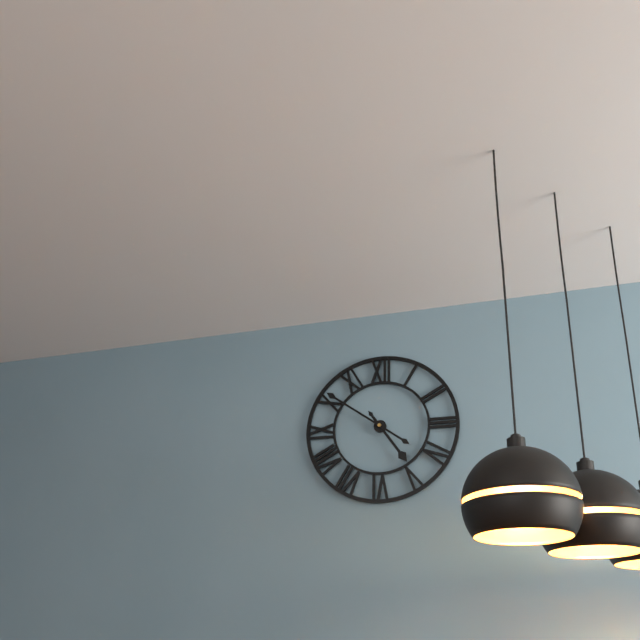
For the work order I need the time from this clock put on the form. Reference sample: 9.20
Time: 4.51
